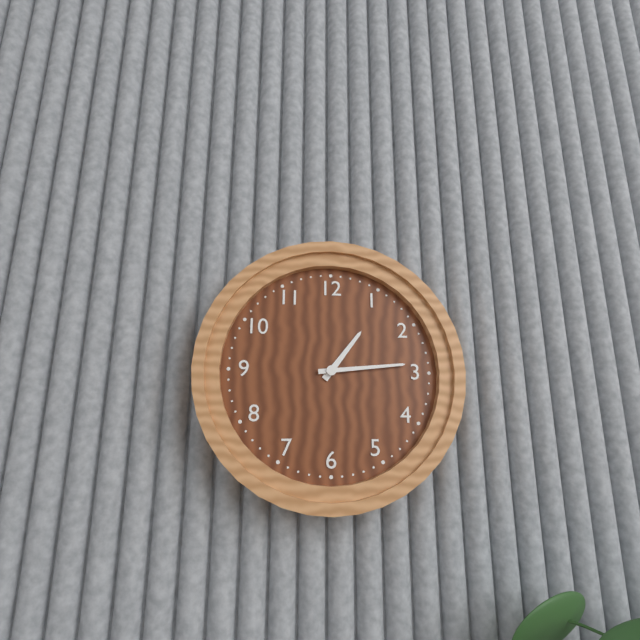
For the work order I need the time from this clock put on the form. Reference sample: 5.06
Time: 1.14
